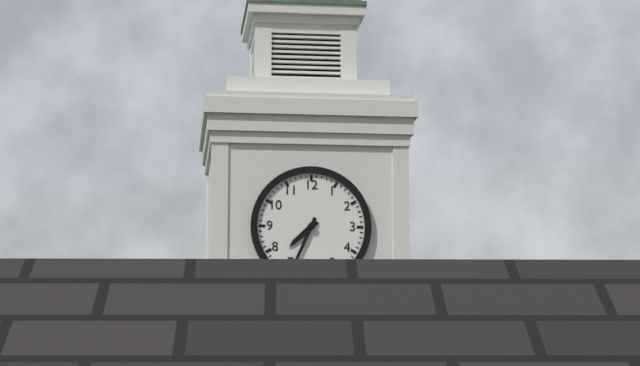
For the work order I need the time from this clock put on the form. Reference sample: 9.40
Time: 7.34
